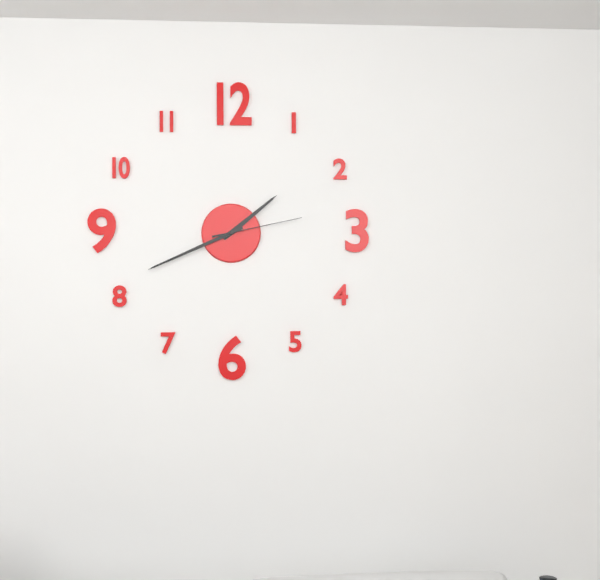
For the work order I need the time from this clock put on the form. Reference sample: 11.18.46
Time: 1.41.13
